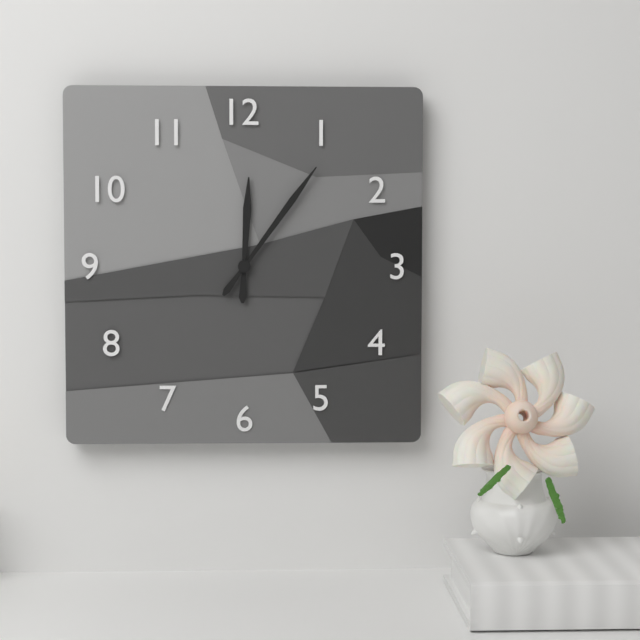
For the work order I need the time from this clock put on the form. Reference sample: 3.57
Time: 12.06
